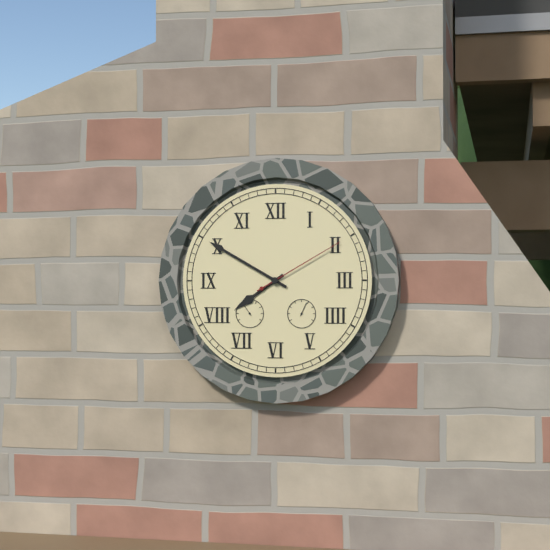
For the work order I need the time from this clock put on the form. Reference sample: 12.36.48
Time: 7.50.10
